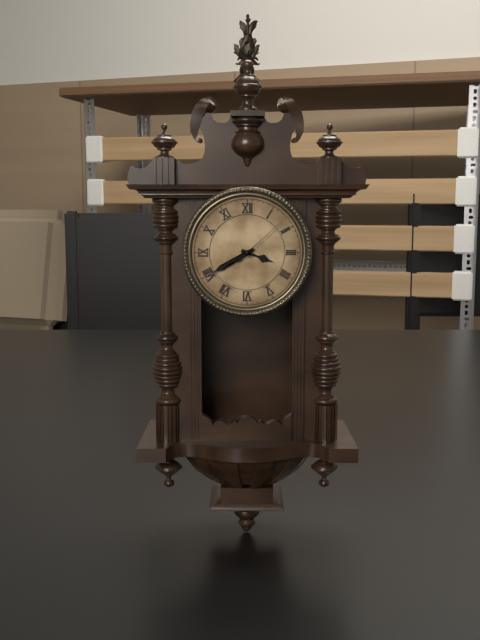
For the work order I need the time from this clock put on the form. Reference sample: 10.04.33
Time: 3.40.08
